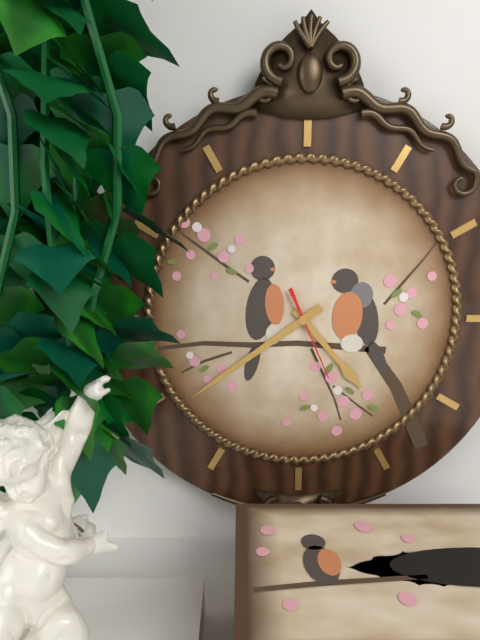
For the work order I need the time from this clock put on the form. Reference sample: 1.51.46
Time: 4.39.26
